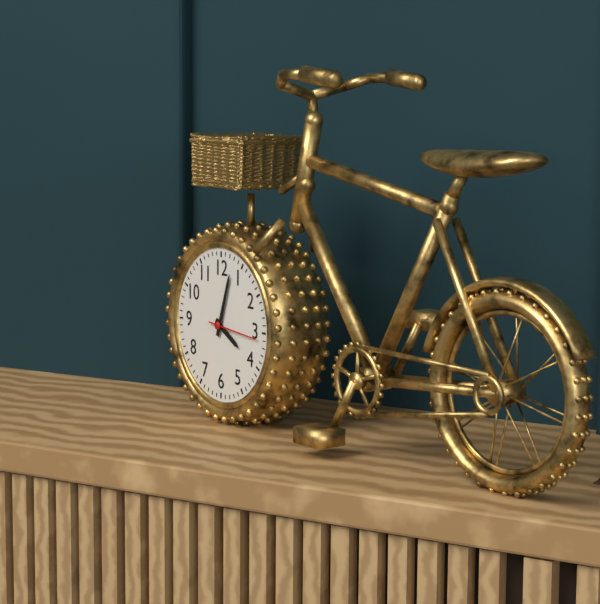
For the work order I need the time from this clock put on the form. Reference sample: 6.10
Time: 4.03
